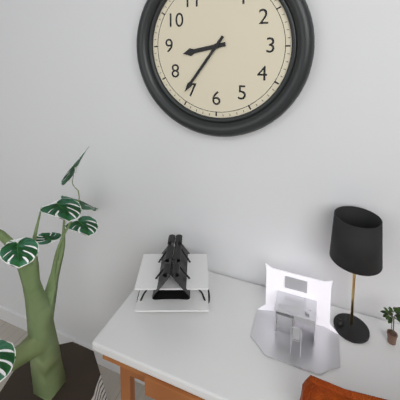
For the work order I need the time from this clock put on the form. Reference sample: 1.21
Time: 8.36
